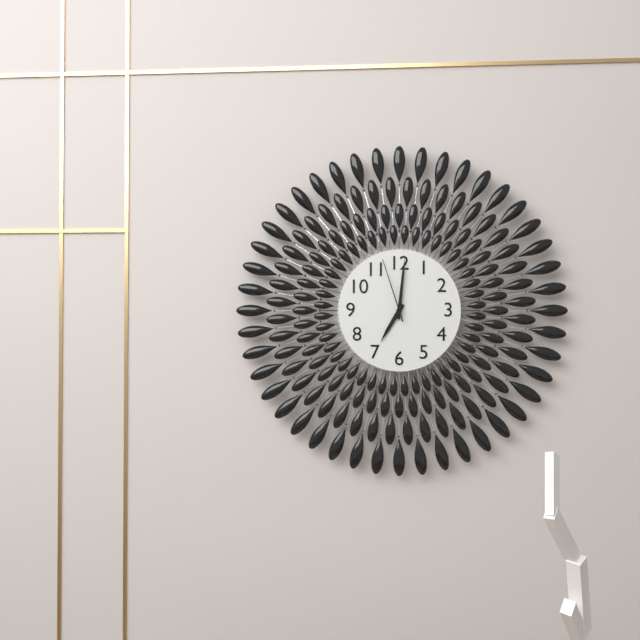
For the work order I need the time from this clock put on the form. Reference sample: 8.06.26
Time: 7.01.57
